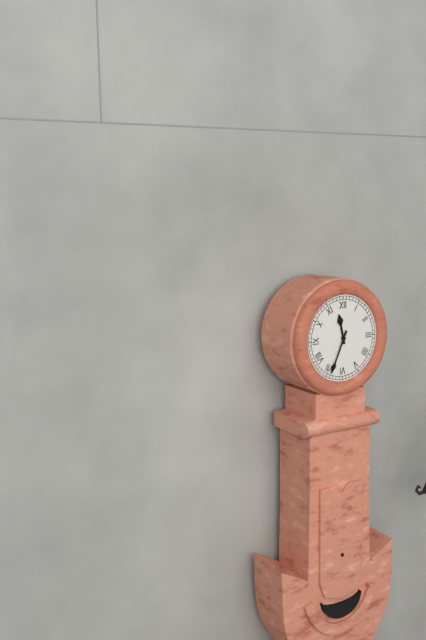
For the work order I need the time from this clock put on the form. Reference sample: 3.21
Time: 11.34
